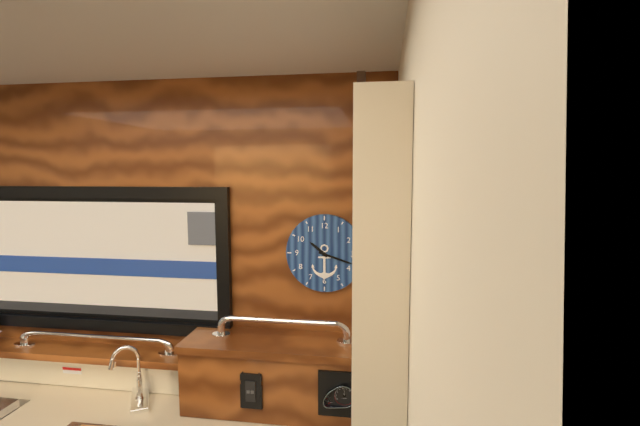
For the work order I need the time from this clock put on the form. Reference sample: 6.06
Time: 10.18
